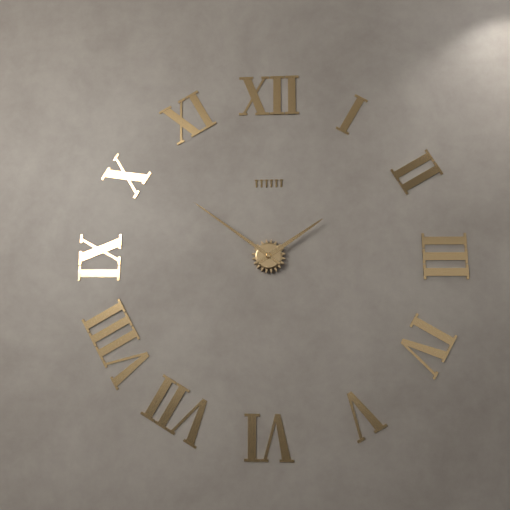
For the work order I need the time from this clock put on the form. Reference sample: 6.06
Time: 1.51
